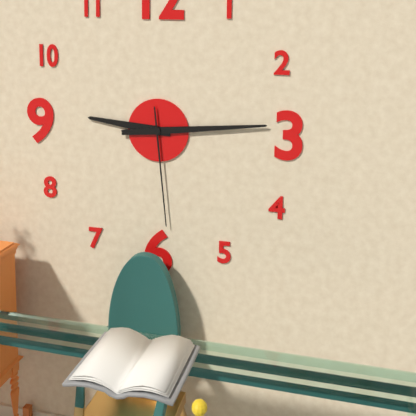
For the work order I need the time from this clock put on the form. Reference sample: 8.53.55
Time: 9.14.29
